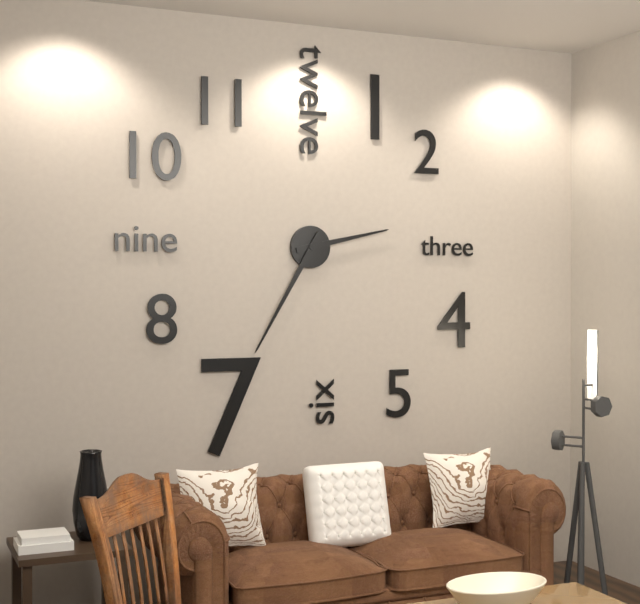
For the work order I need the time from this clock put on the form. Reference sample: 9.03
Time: 2.35
